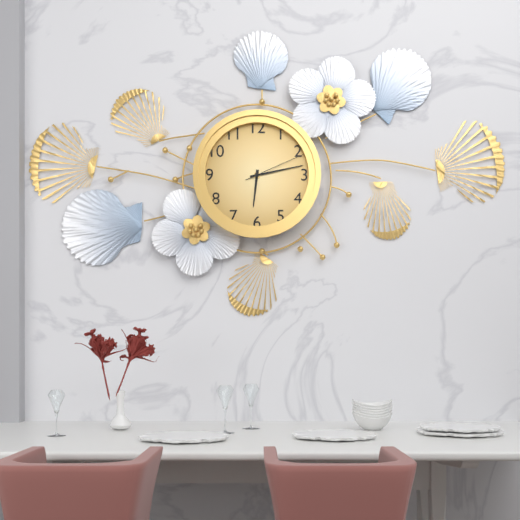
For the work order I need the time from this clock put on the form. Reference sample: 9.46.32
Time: 6.13.11
